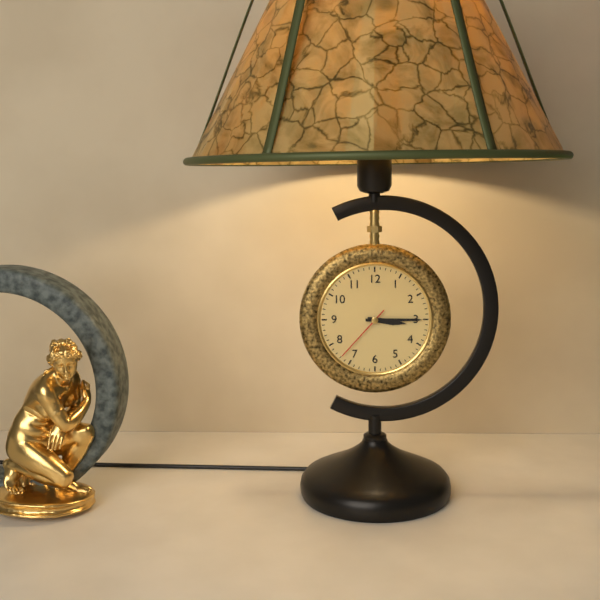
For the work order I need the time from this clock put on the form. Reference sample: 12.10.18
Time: 3.15.37
